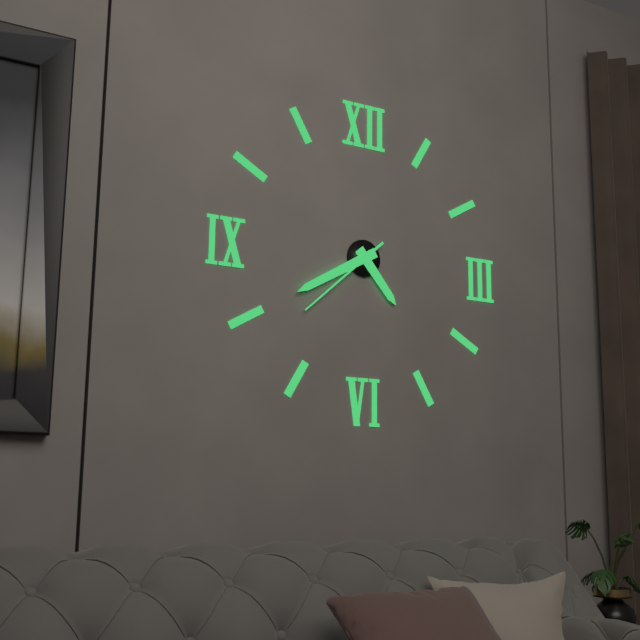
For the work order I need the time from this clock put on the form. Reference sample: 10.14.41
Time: 4.40.38
